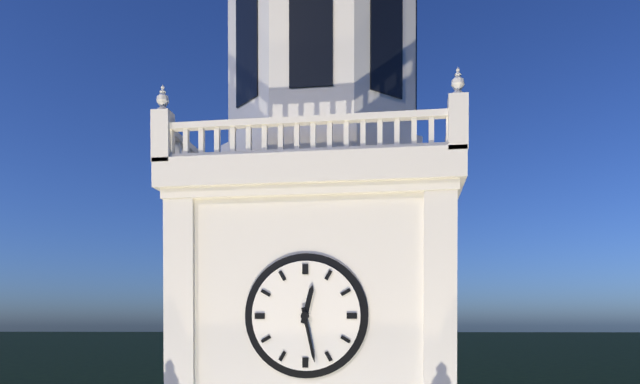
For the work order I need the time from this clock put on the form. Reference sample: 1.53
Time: 12.28
